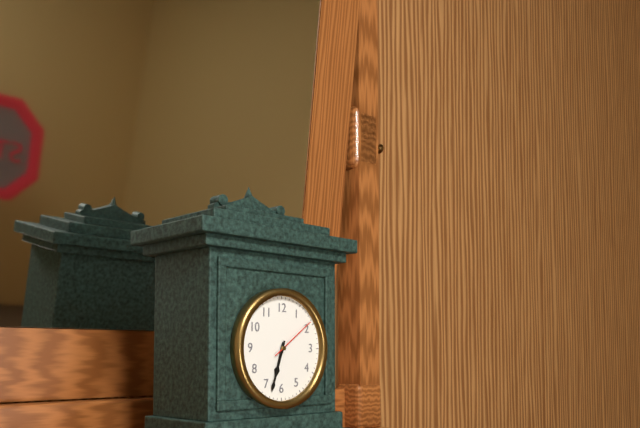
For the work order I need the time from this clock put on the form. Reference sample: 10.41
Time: 6.33
